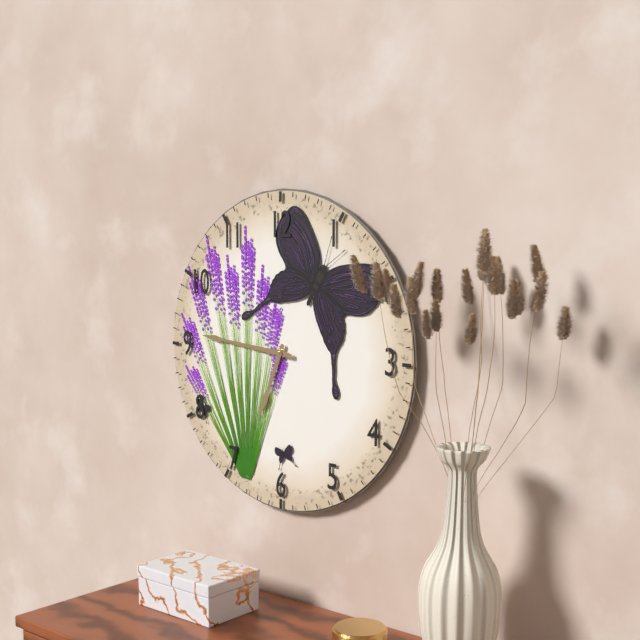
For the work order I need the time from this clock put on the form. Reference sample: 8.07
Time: 6.46
